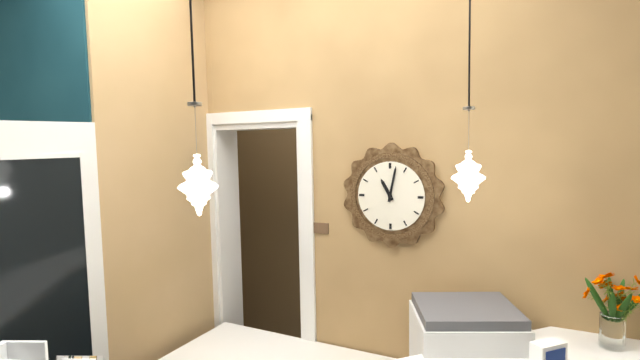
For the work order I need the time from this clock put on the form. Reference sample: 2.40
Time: 11.02
